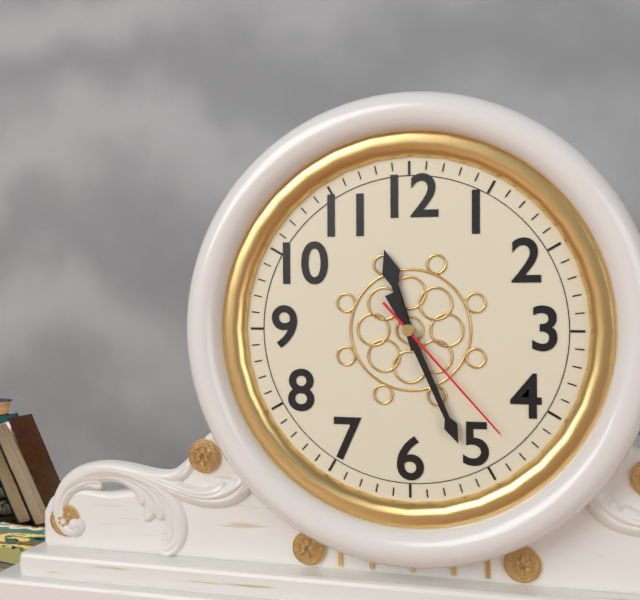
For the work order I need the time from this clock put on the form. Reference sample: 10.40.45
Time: 11.26.23
